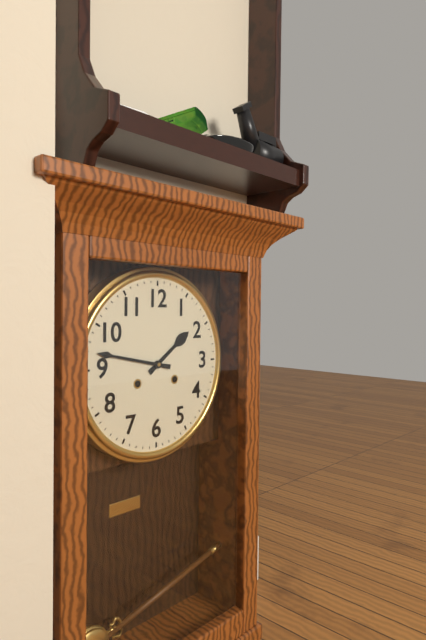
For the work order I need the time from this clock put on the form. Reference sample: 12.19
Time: 1.47
